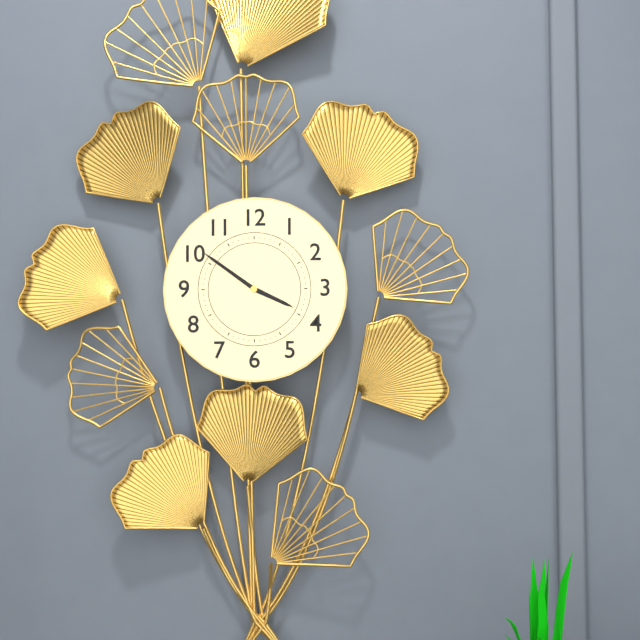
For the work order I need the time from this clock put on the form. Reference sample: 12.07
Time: 3.51
